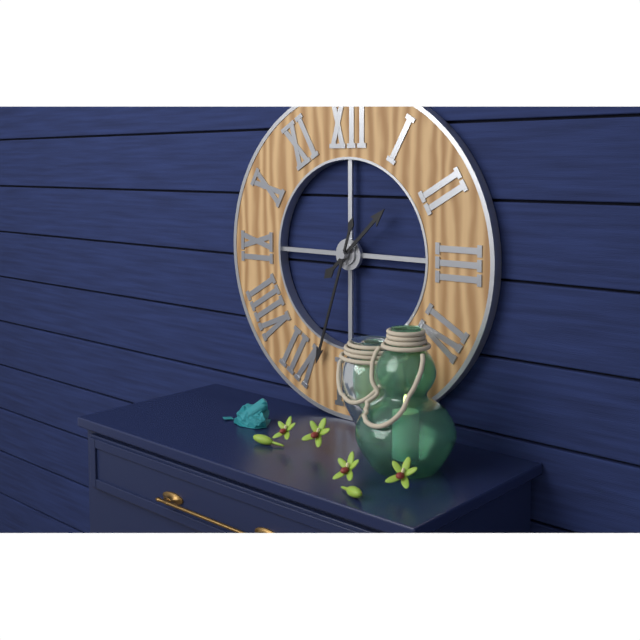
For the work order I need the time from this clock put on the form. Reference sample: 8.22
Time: 1.33
